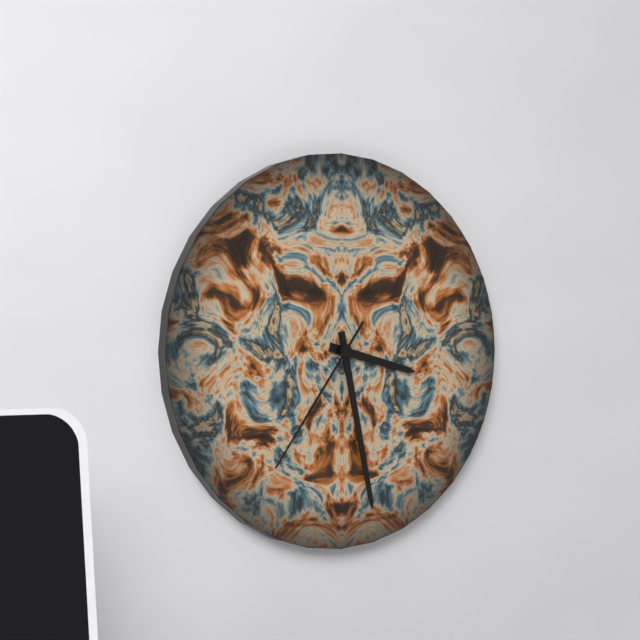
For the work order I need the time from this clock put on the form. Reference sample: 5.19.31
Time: 3.28.36
